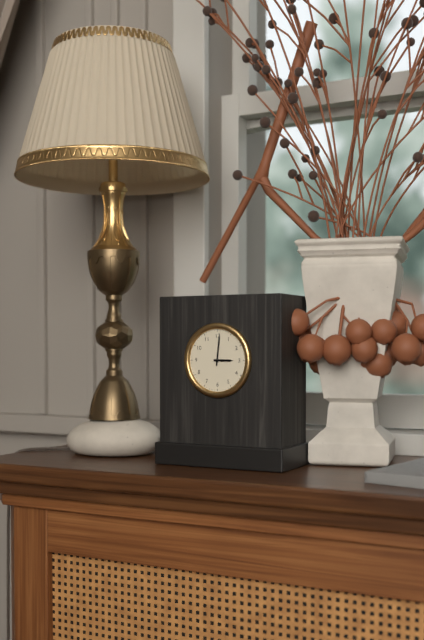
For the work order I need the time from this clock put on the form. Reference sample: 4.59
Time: 3.01
